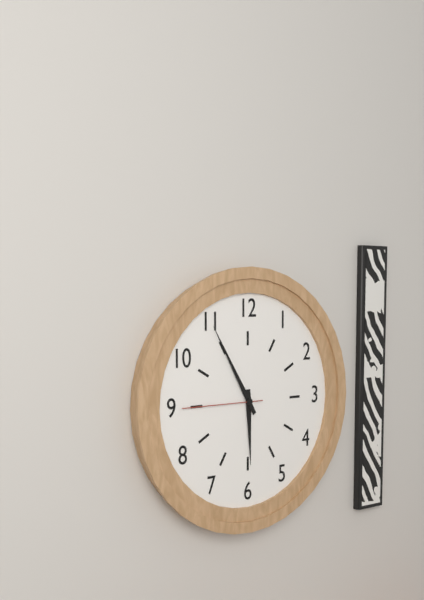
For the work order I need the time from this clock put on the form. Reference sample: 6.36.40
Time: 5.55.45
